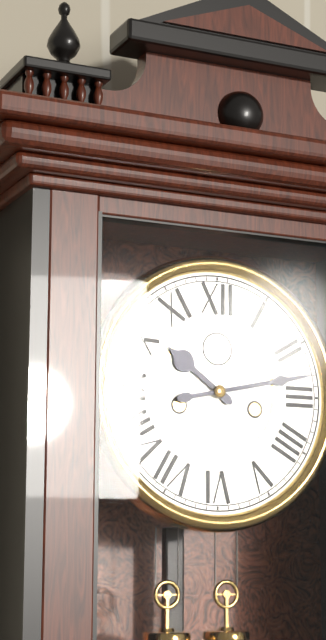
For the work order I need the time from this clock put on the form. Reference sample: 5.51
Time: 10.13
